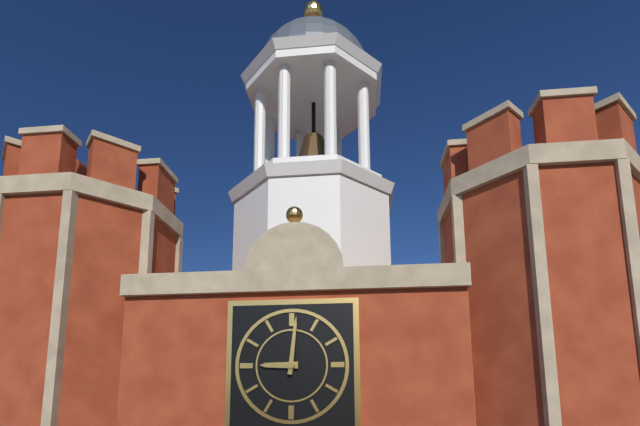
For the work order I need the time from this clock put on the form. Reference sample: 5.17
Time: 9.01
